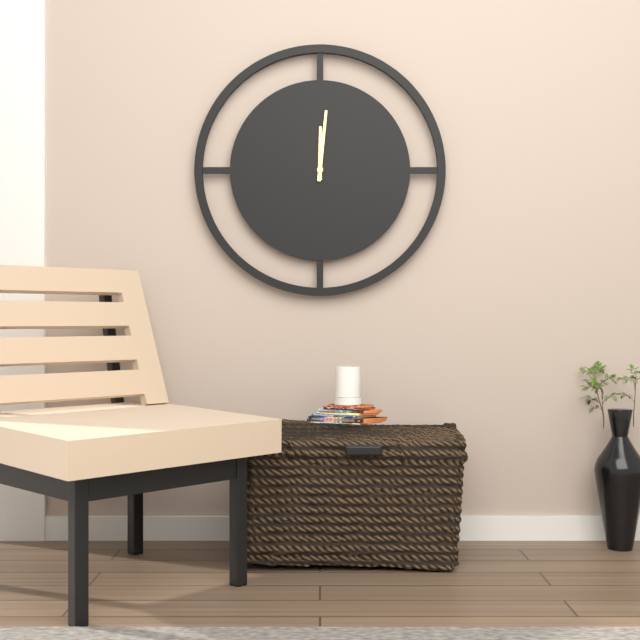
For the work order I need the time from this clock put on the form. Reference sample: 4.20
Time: 12.01
